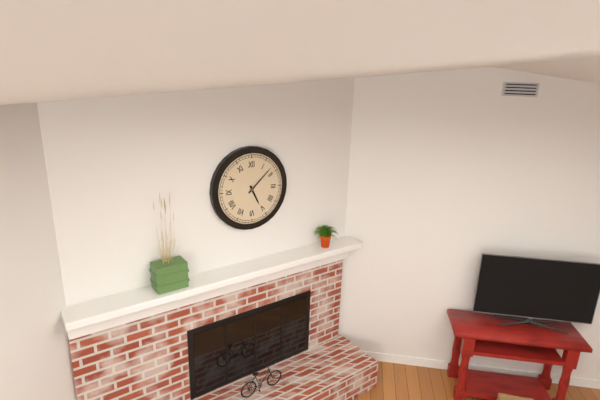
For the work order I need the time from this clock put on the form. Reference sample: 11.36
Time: 5.08
